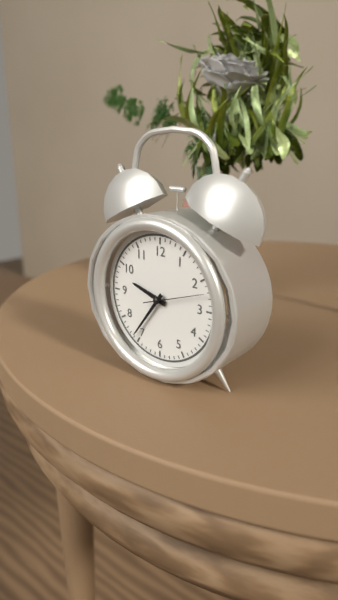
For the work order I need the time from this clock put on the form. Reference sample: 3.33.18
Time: 9.36.12
